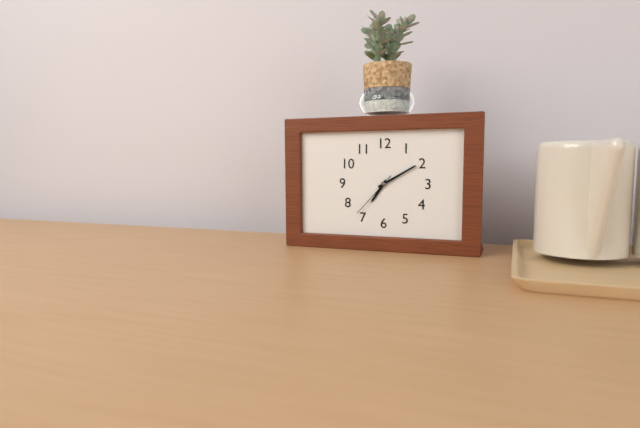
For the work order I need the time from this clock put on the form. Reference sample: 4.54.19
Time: 7.10.37
